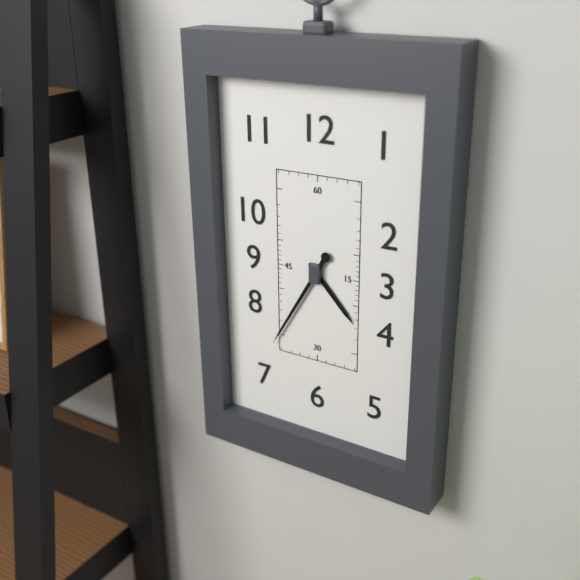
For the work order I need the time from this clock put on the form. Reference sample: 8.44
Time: 4.35
